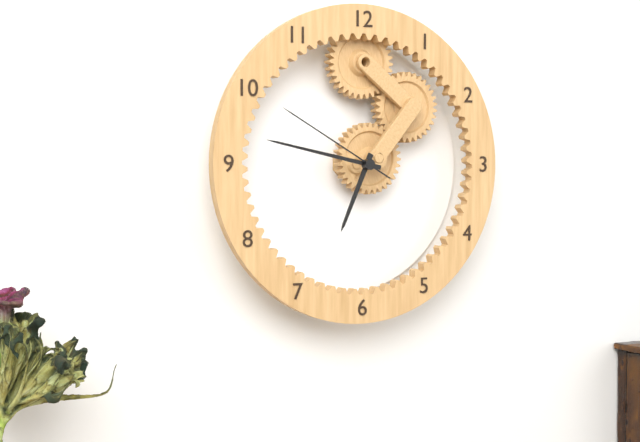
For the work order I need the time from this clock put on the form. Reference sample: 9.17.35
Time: 6.47.50
